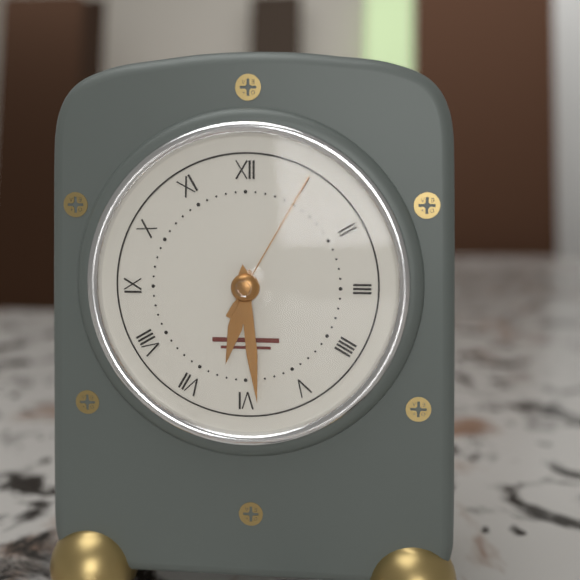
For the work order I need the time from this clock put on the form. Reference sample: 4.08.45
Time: 6.29.05
